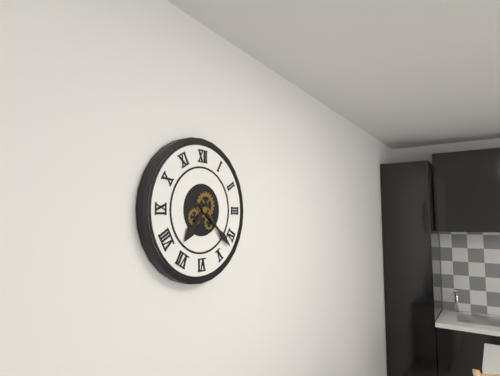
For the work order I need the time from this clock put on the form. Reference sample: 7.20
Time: 7.22
